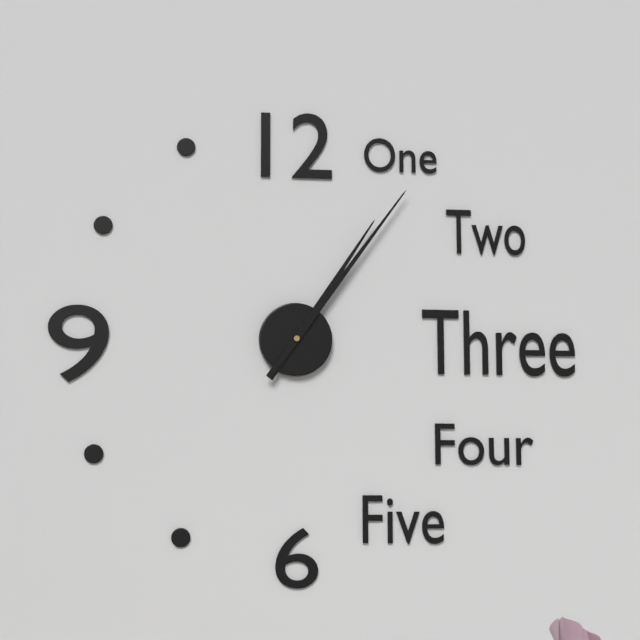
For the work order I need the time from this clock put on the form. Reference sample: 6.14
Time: 1.06
